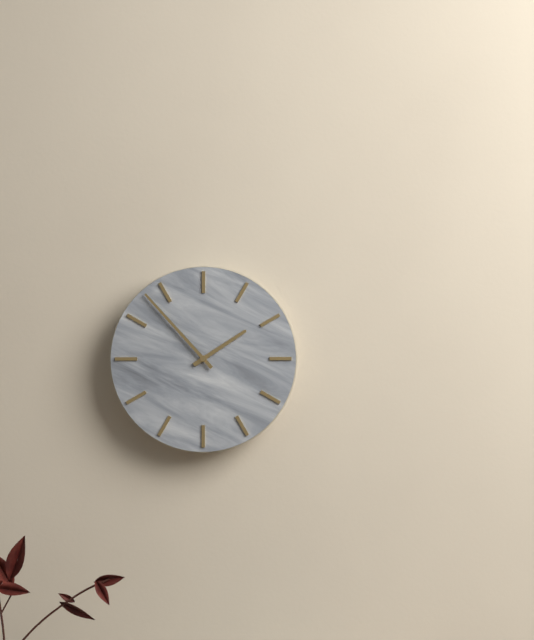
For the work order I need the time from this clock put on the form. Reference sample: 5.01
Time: 1.53
